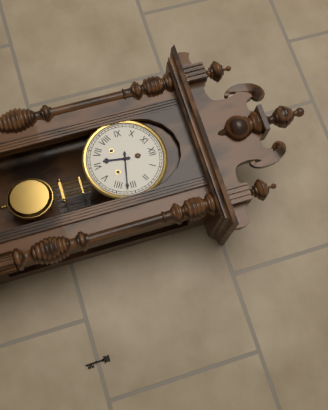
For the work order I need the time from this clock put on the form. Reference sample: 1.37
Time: 6.17
